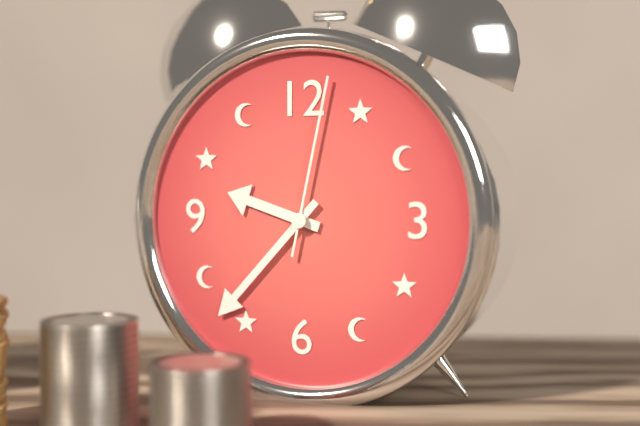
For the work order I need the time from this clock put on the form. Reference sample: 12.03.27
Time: 9.37.02
